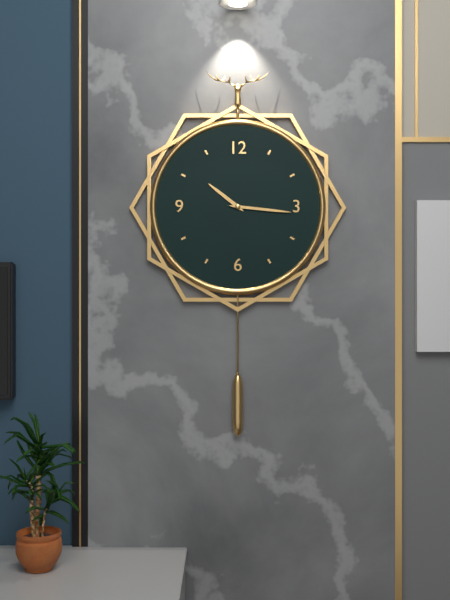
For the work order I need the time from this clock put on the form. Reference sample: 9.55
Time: 10.16
